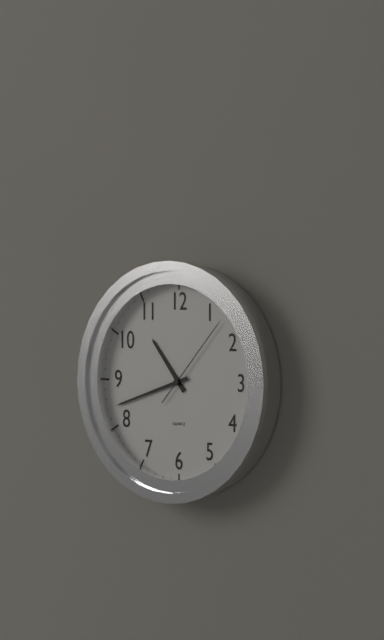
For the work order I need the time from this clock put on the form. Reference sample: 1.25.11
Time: 10.42.07
